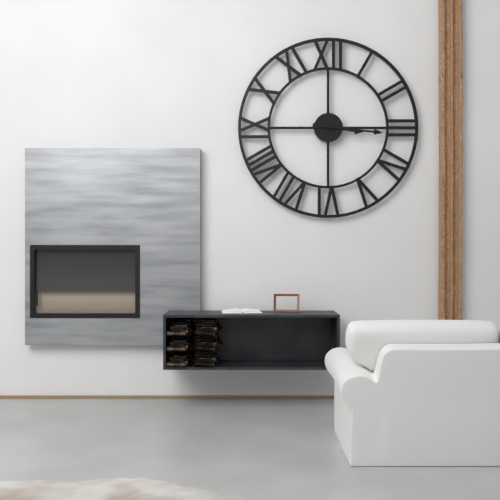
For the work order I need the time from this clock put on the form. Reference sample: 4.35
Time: 3.16
